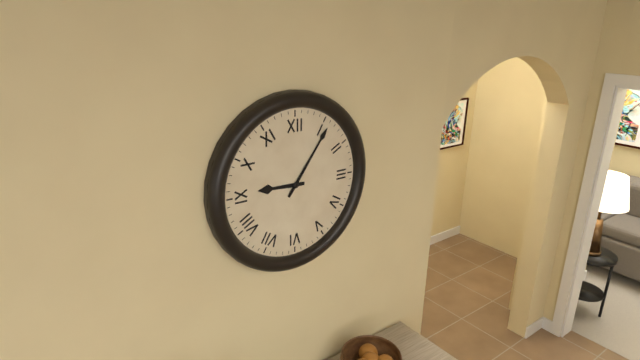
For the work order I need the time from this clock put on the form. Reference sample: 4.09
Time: 9.06
